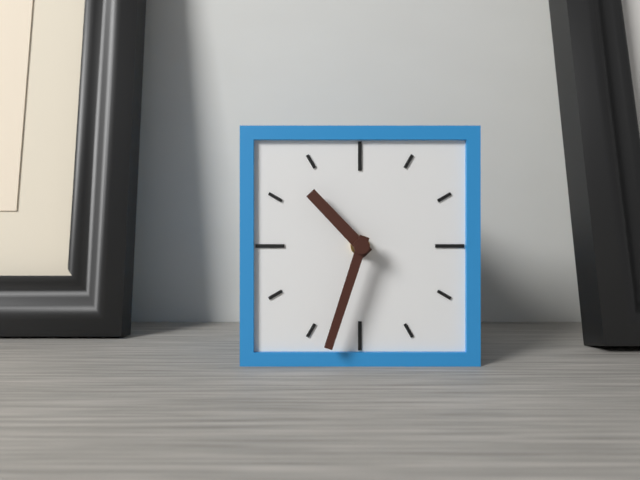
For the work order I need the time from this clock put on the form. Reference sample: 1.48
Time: 10.33
